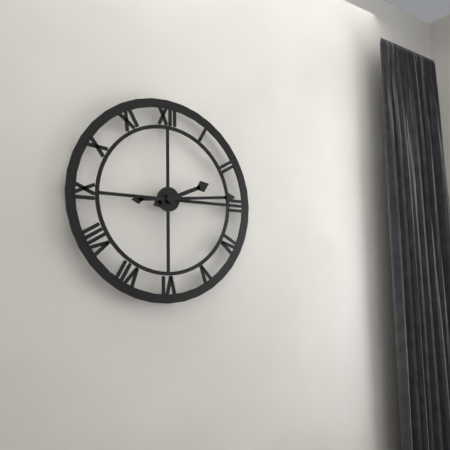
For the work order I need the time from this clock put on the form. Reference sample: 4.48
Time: 2.14
